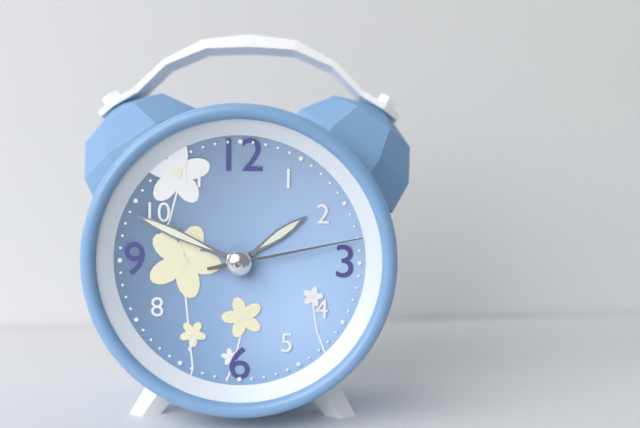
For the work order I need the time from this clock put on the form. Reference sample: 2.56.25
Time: 1.49.13
